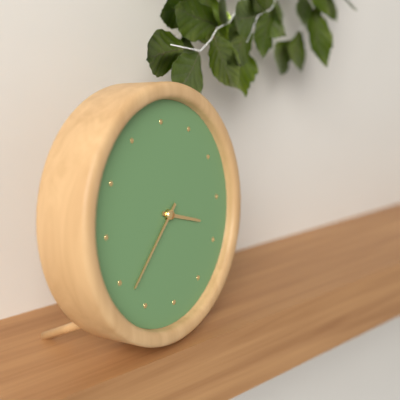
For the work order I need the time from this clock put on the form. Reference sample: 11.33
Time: 3.38
